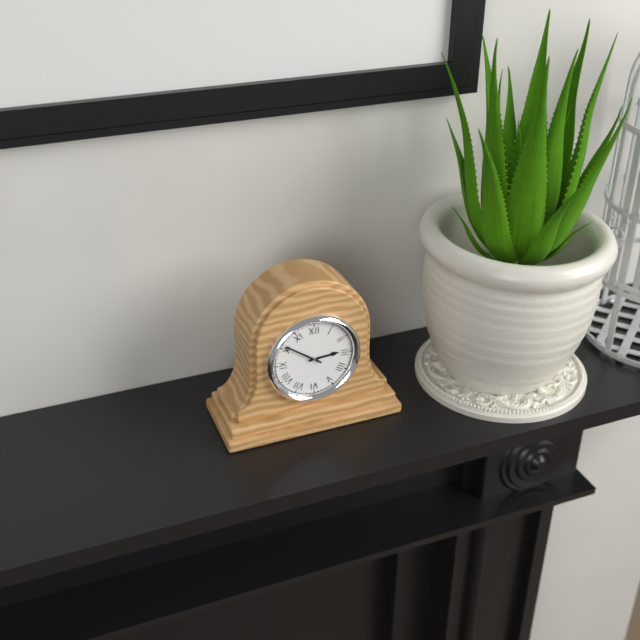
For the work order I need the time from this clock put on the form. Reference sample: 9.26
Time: 2.51
